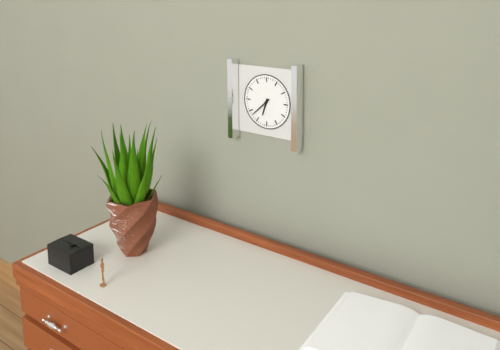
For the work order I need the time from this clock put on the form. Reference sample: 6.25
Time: 6.38
